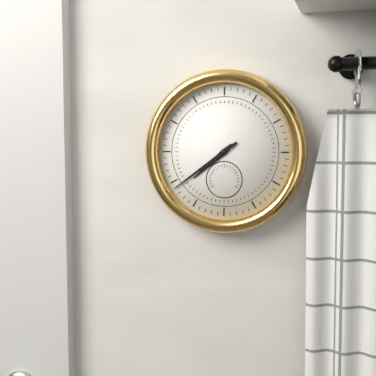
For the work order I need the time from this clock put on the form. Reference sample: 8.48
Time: 7.39
